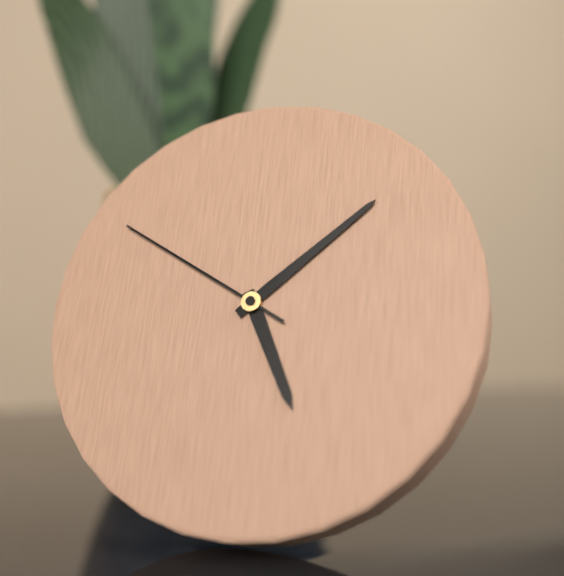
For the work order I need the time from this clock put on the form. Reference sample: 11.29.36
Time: 5.08.50
